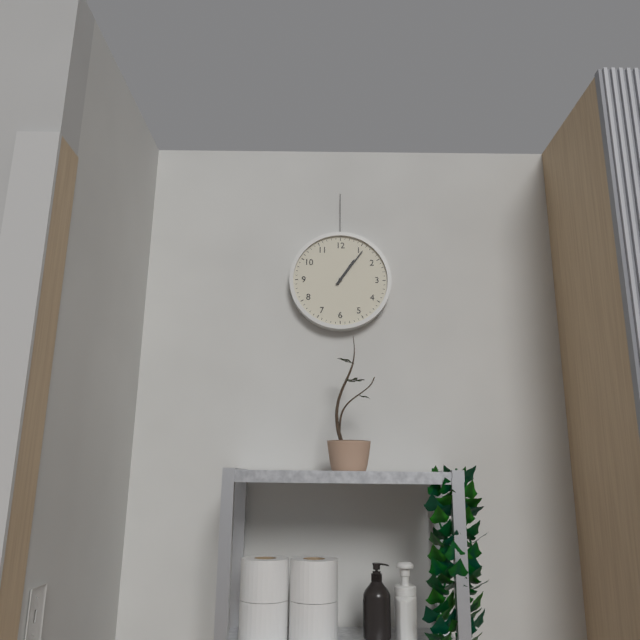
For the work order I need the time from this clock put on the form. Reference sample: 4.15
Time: 1.06
